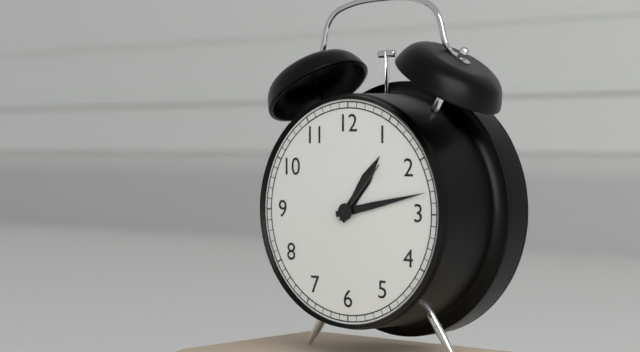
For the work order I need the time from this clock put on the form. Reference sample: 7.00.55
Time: 1.13.07
